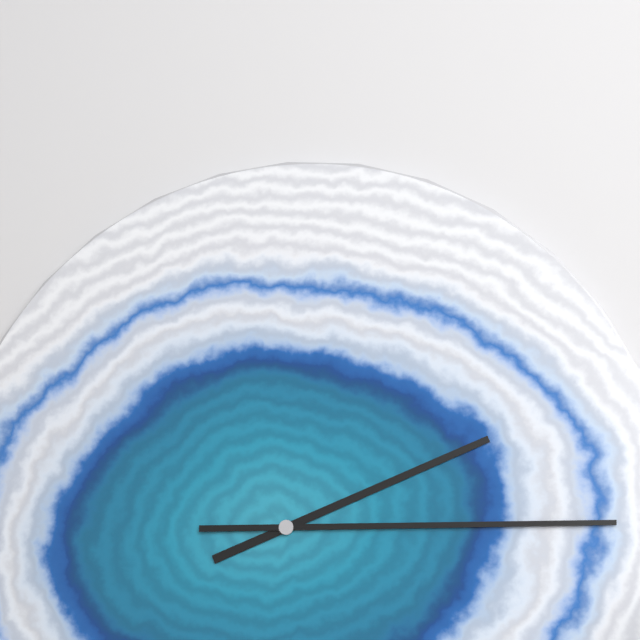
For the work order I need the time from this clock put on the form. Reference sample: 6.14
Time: 2.15
